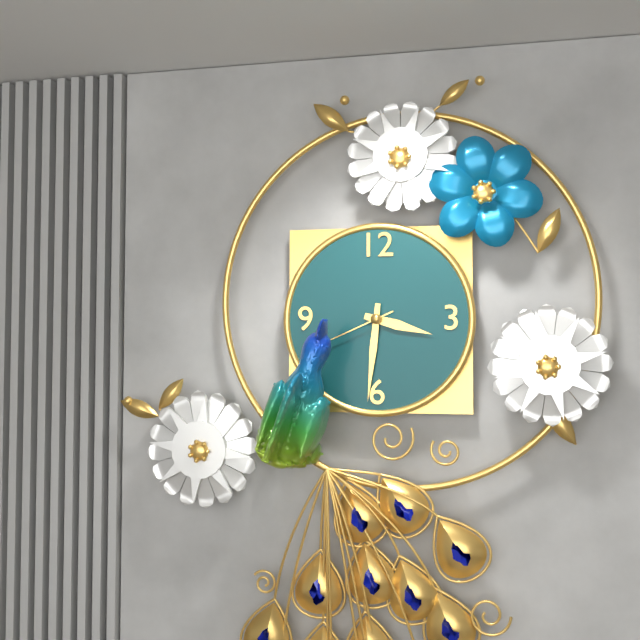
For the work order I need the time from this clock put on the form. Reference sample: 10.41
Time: 3.31
